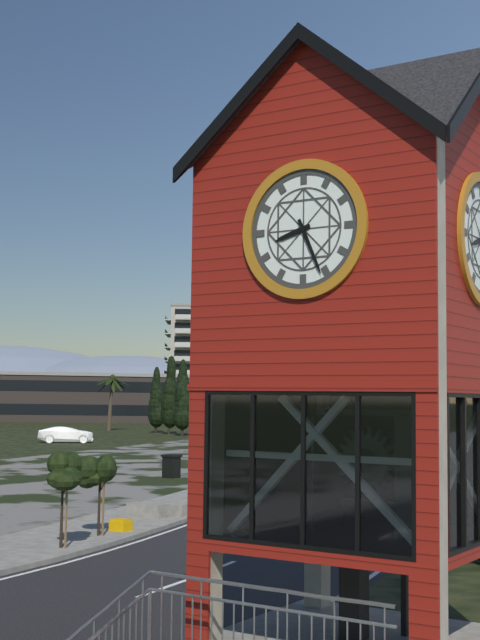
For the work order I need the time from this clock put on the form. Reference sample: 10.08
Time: 8.26
